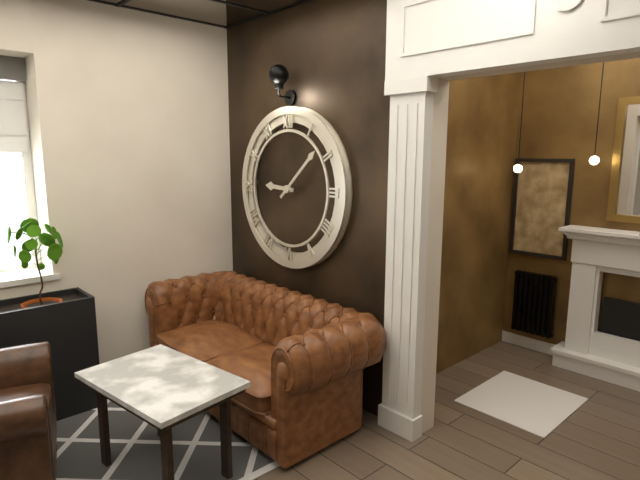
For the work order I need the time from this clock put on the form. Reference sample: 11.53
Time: 9.08
